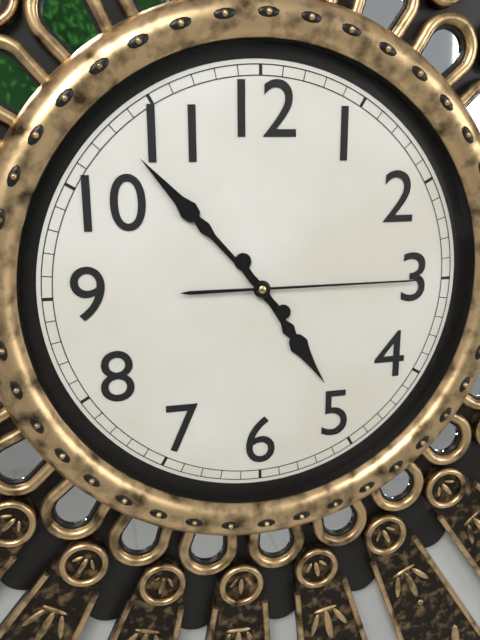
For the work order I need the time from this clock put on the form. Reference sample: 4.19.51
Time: 4.53.15
